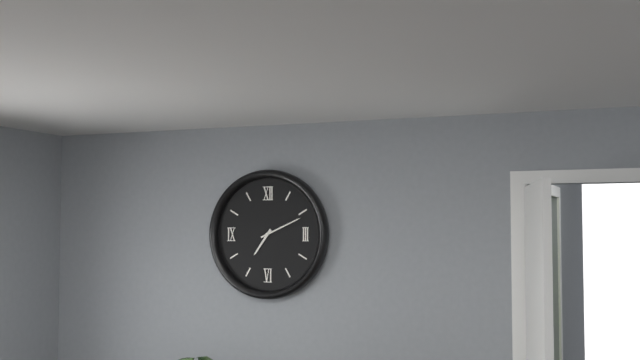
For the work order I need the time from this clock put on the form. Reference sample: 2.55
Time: 7.11
